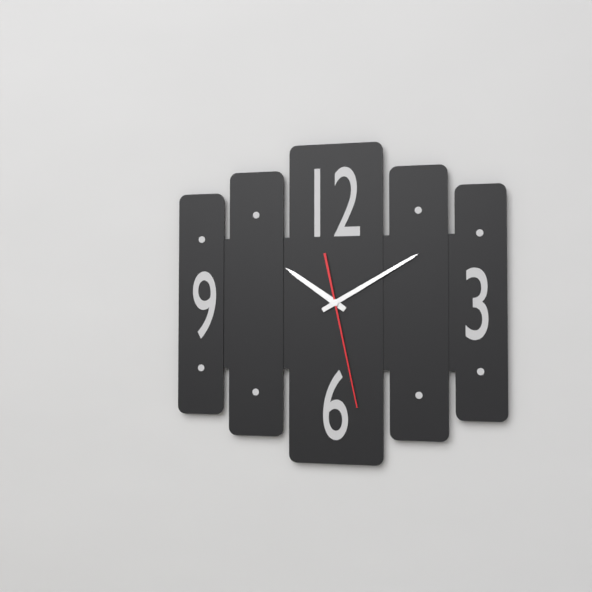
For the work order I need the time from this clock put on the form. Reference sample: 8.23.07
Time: 10.10.28
